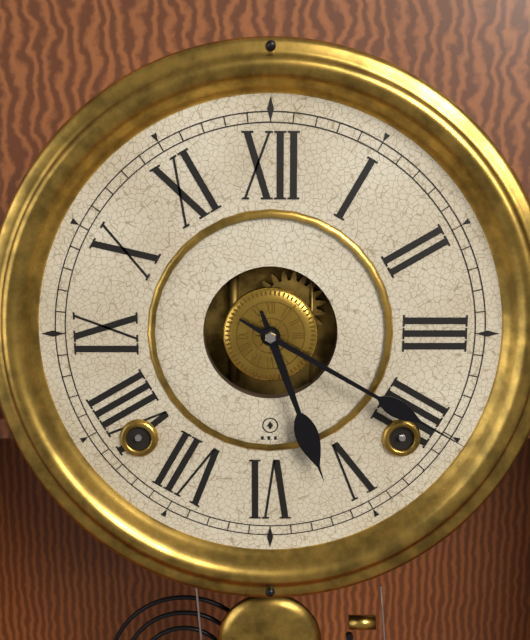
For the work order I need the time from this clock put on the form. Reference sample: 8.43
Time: 5.20
